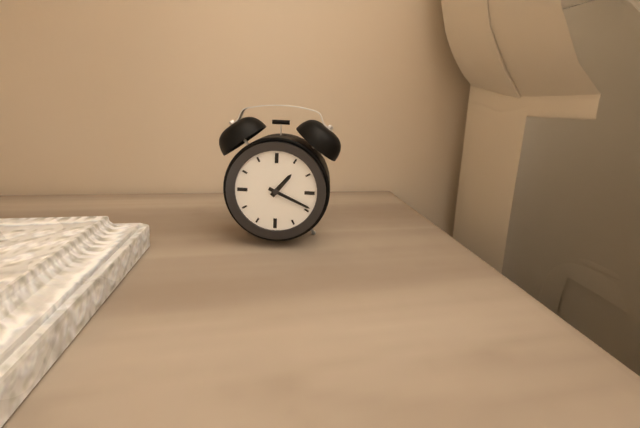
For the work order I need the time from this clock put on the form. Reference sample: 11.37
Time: 1.19
